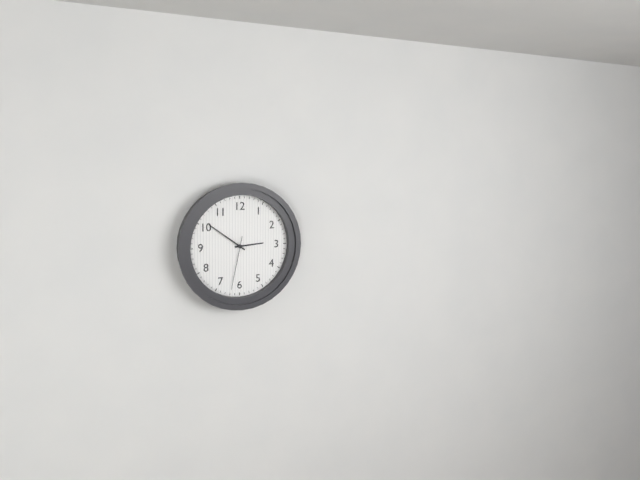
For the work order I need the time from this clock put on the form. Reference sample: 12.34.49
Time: 2.51.32
